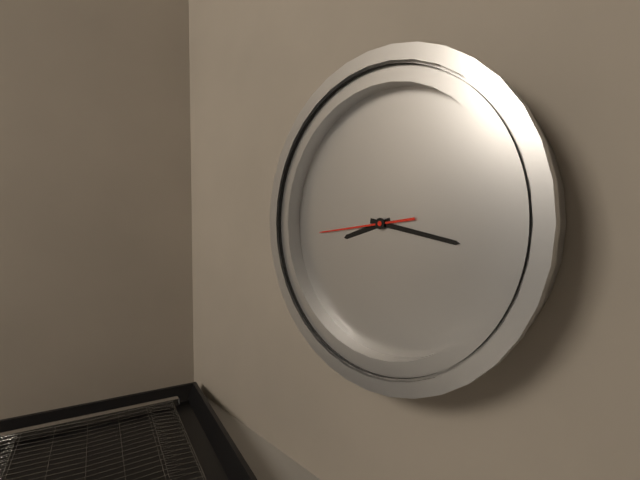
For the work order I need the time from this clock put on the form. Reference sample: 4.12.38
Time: 8.16.43
